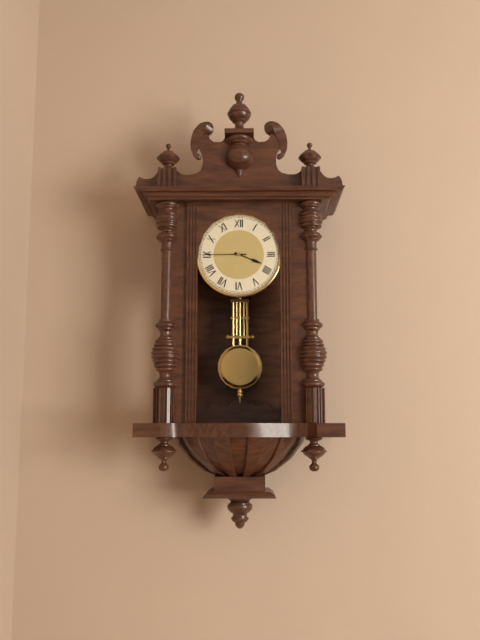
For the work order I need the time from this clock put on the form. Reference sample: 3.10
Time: 3.45
